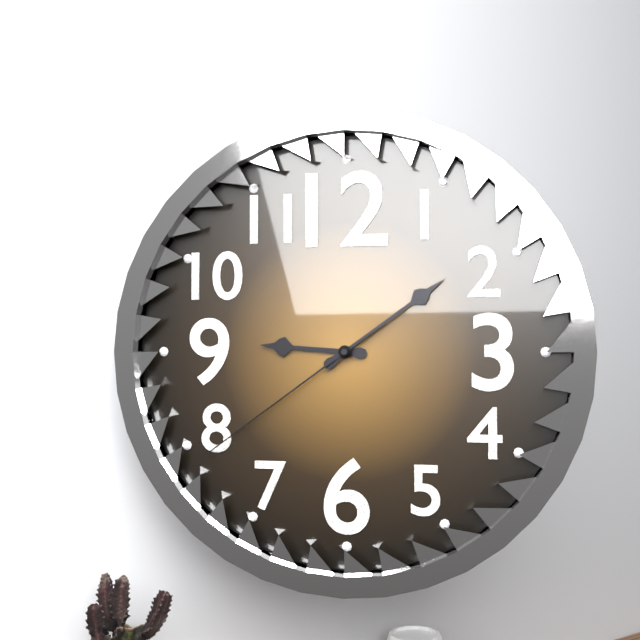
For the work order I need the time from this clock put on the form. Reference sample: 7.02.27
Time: 9.09.39
